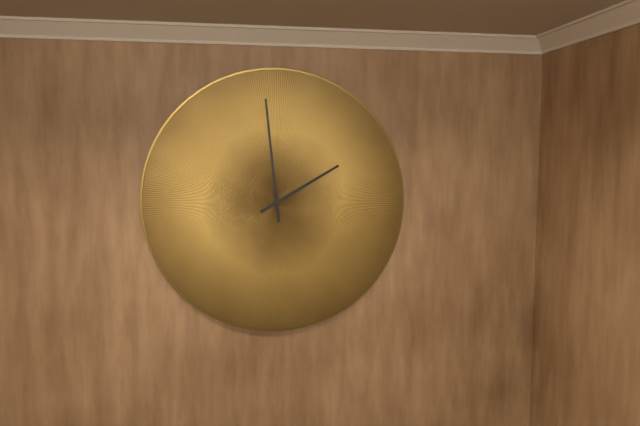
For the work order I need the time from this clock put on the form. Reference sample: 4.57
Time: 1.59
